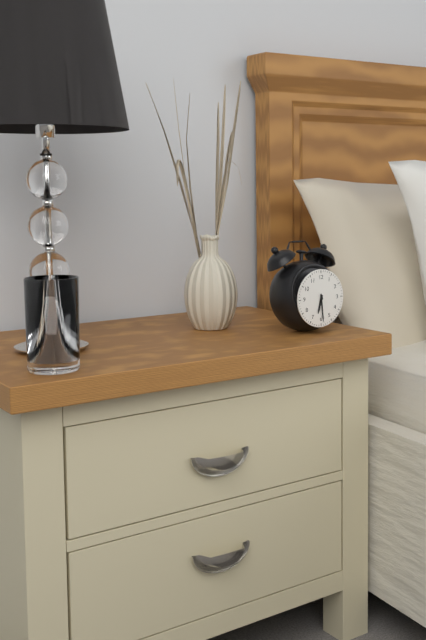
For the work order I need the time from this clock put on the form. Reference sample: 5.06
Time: 6.29
